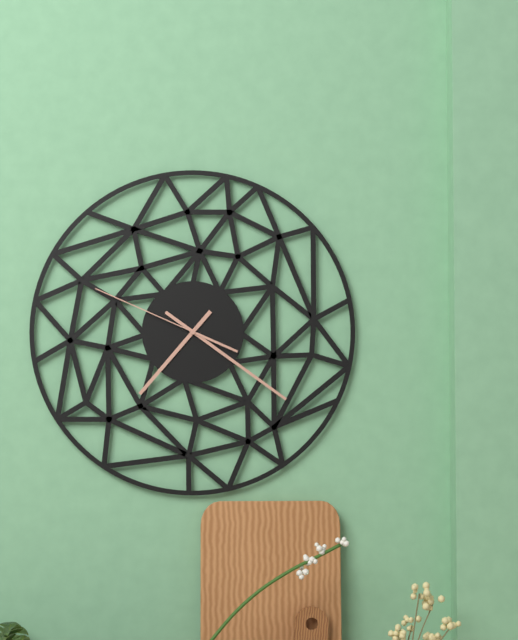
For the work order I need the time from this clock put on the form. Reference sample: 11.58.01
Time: 7.21.49
